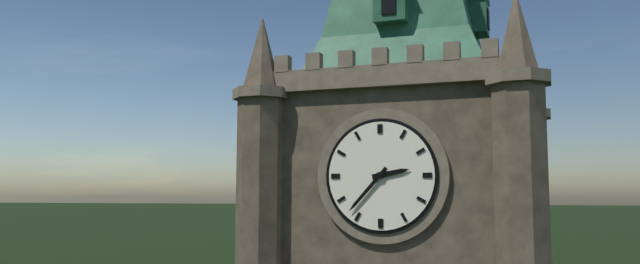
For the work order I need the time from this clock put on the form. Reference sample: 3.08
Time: 2.37
